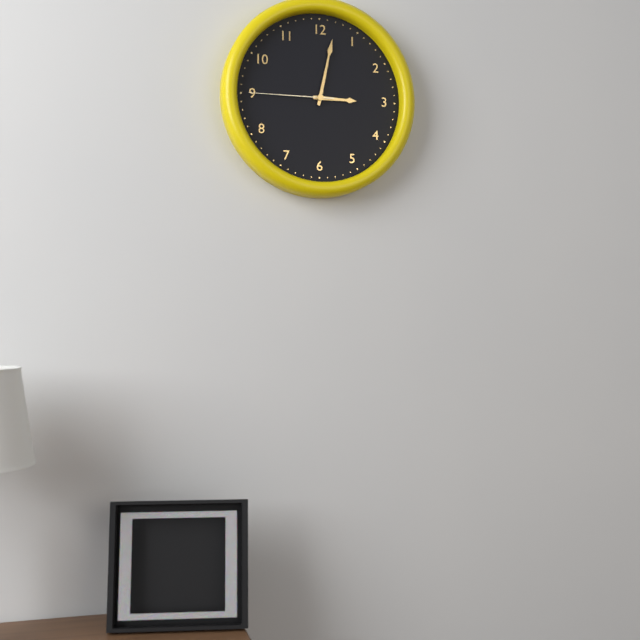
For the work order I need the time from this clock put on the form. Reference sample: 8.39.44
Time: 3.02.45
